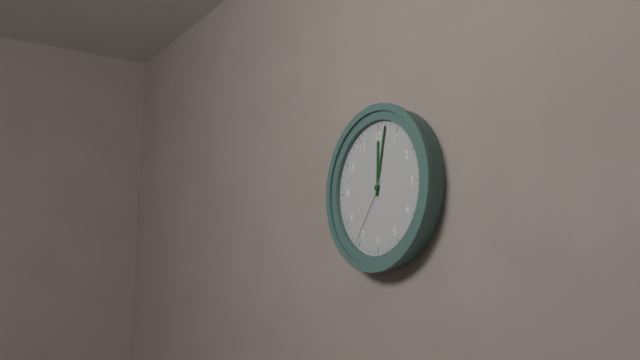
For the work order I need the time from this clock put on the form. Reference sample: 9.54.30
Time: 12.02.36
